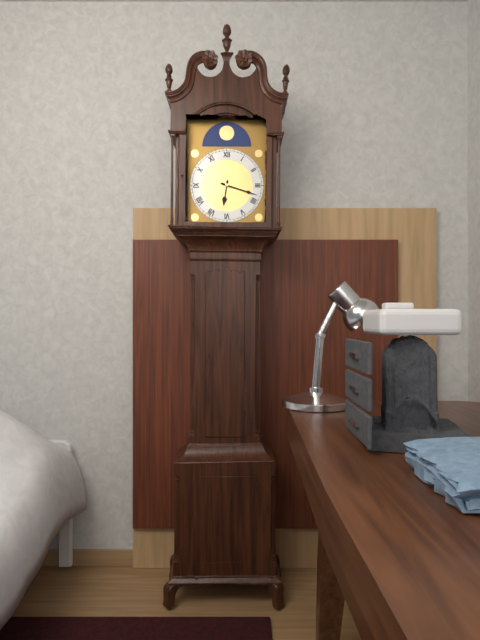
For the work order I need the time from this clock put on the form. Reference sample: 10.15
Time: 6.18
